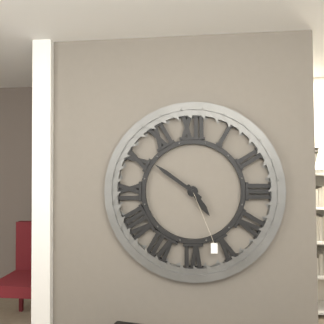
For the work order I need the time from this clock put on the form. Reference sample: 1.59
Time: 4.51
